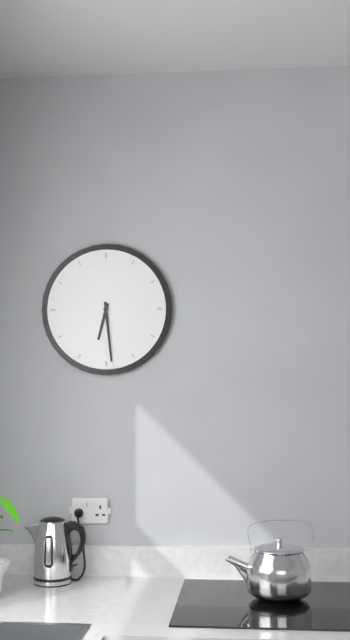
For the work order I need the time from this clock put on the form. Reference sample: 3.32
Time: 6.29
